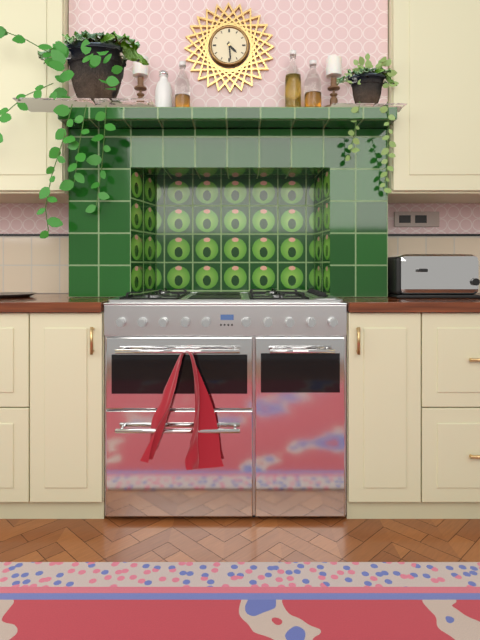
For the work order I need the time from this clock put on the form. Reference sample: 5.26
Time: 4.29
